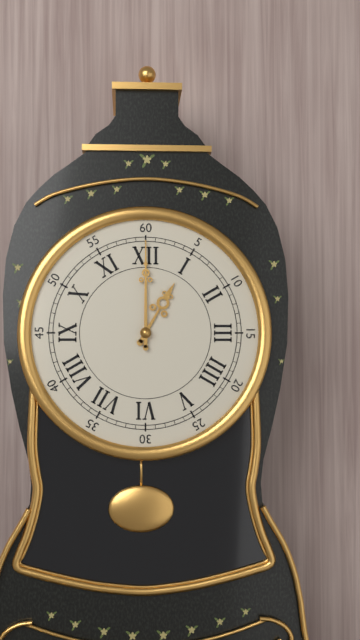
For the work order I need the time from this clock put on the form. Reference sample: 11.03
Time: 1.00
